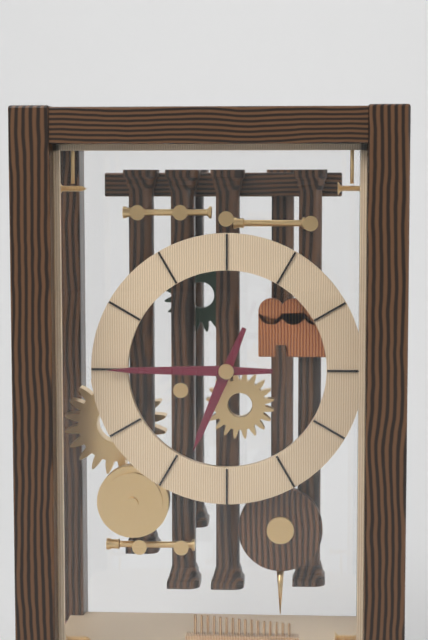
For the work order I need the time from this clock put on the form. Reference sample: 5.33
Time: 6.45
